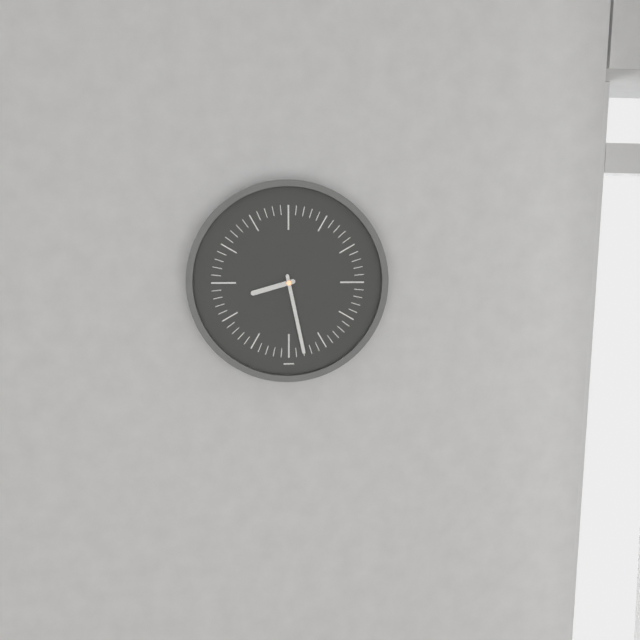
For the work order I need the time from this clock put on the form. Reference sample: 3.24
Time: 8.28
